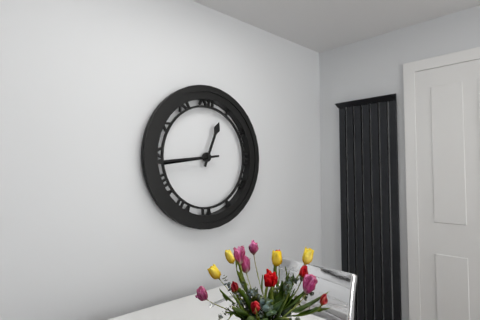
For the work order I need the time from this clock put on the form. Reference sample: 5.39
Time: 12.44
